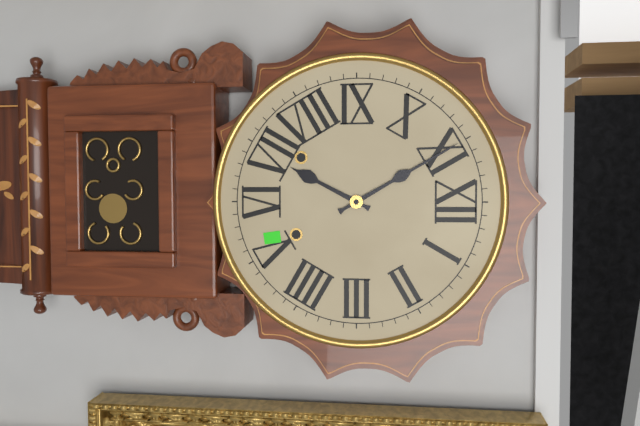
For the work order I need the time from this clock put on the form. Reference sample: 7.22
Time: 6.55
